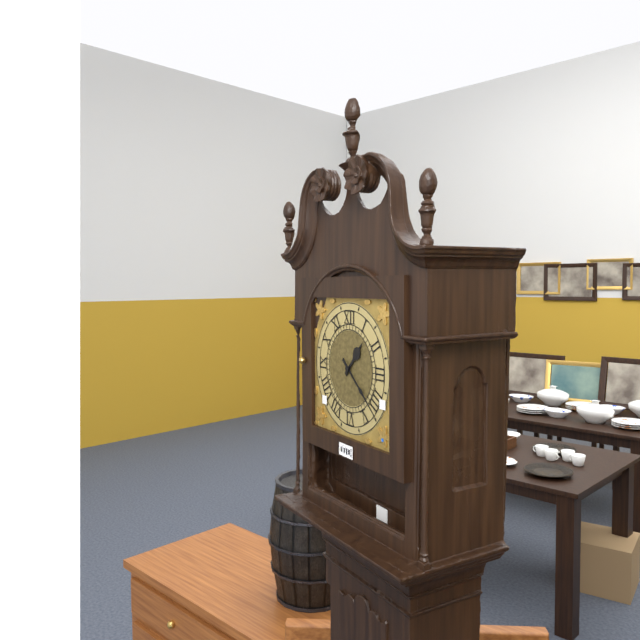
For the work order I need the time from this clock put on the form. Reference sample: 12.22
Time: 1.22
